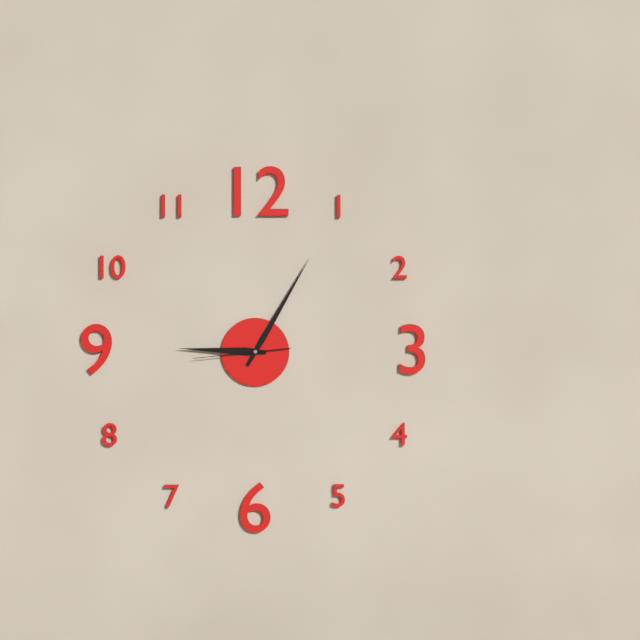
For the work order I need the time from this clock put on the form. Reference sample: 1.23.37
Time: 9.05.44
